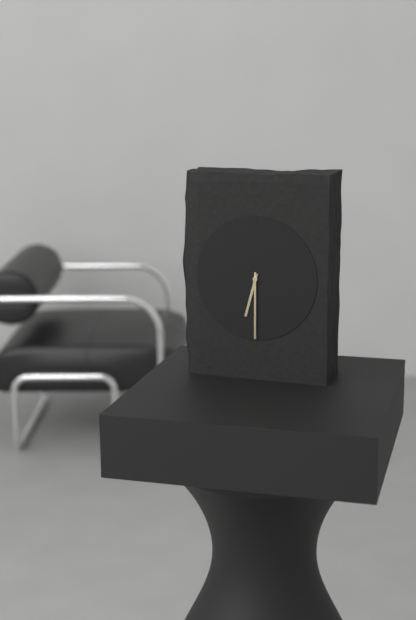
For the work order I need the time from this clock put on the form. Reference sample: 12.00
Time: 6.30
